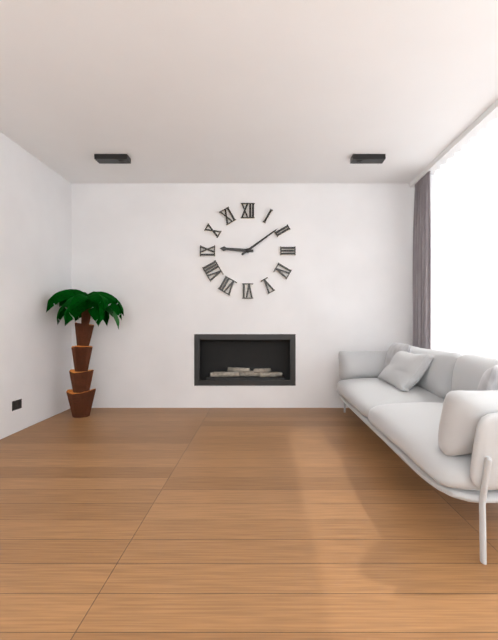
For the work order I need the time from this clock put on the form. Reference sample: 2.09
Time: 9.09
